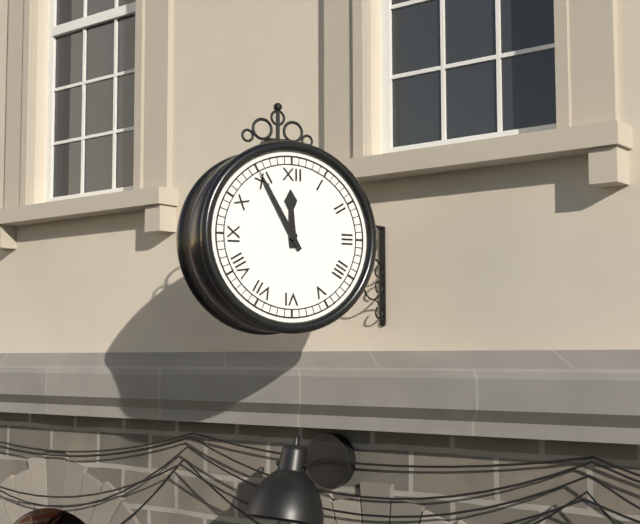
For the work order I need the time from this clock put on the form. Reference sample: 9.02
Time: 11.55
